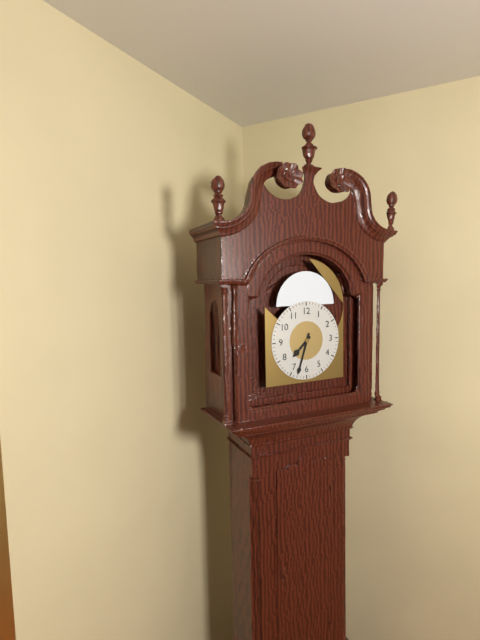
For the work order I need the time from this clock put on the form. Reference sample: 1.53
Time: 7.33
